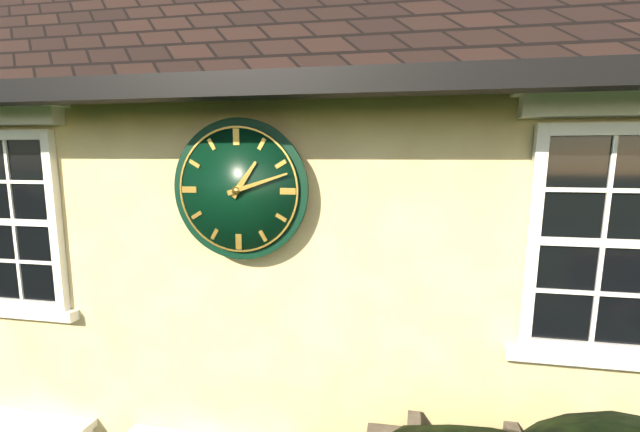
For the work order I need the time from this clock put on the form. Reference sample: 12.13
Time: 1.12
